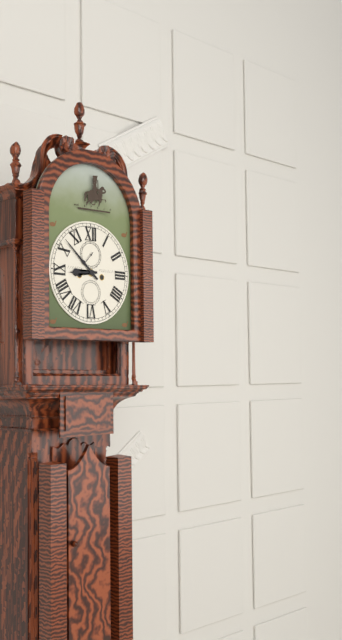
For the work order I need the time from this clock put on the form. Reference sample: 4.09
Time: 8.52
